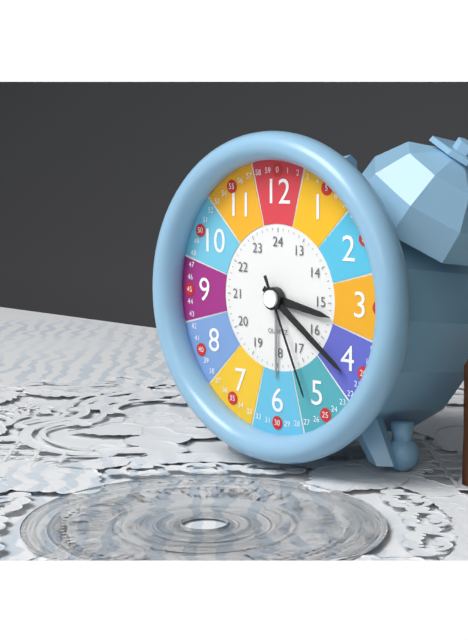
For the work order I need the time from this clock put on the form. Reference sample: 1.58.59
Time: 3.21.26
